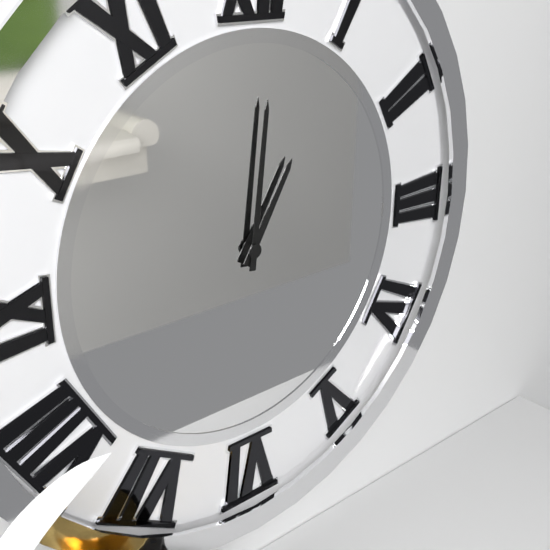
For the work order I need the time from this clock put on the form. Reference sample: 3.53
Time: 1.01
